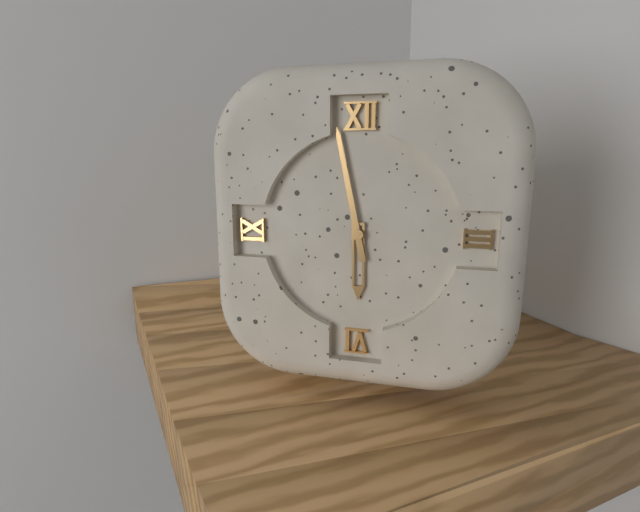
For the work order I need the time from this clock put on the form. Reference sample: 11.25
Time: 5.58
